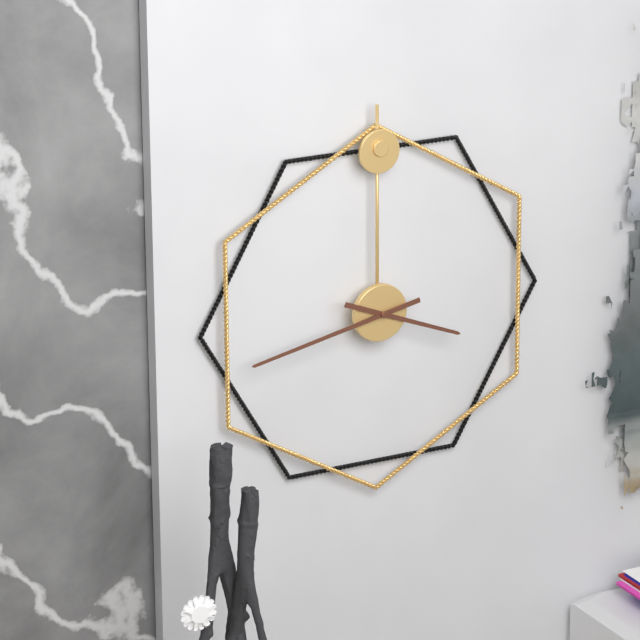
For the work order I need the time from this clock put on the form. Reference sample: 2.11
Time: 3.43
